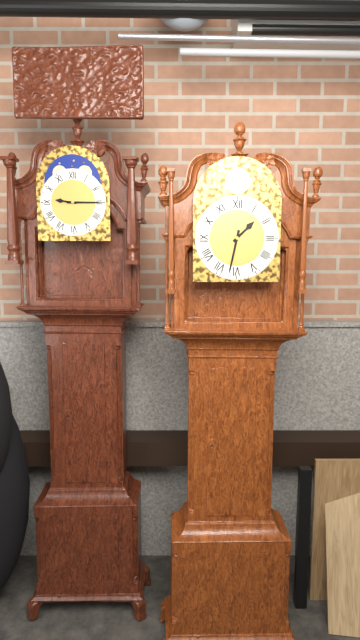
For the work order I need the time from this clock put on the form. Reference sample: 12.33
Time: 1.32
